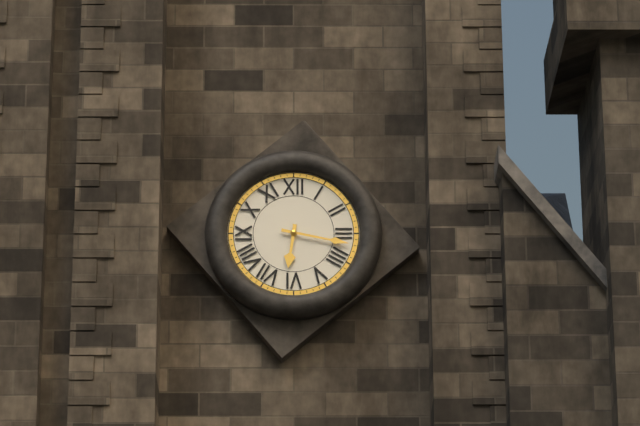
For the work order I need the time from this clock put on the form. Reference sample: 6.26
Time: 6.17
